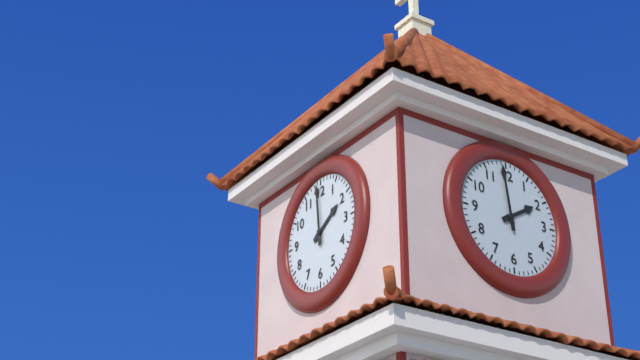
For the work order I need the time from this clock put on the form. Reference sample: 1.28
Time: 1.59
